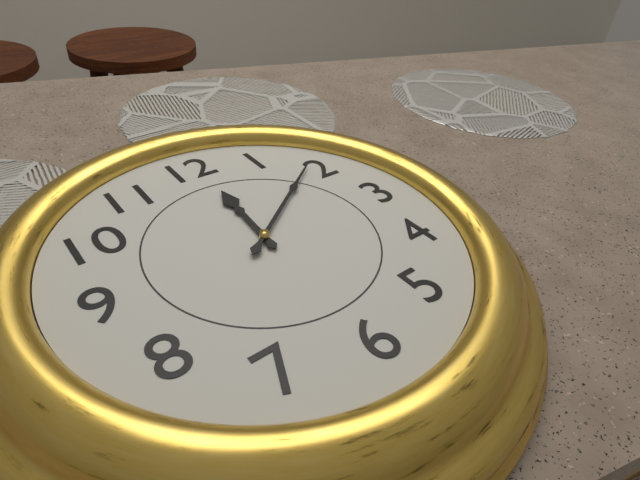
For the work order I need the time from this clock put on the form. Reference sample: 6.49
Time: 12.09
